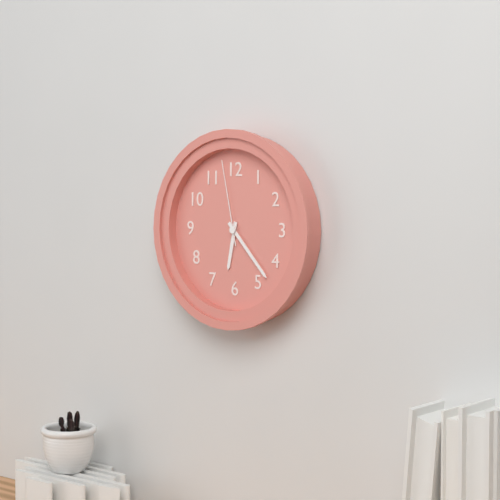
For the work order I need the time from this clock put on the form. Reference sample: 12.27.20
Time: 6.23.58
